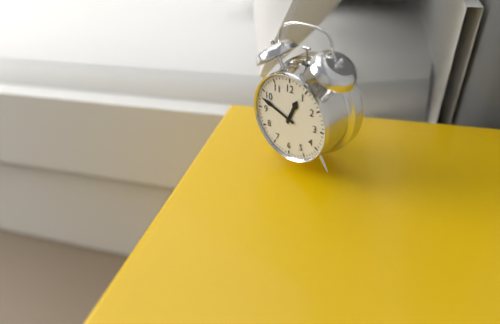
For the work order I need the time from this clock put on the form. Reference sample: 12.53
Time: 12.48
